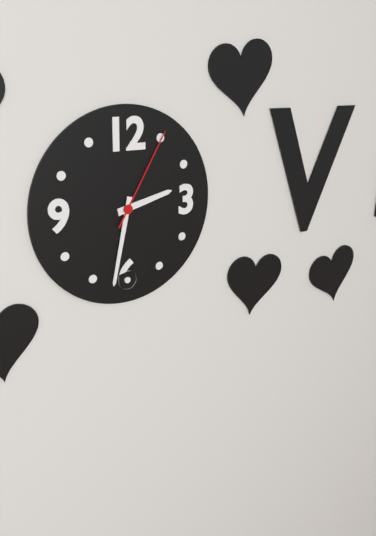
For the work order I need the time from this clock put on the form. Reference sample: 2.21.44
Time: 2.32.05
